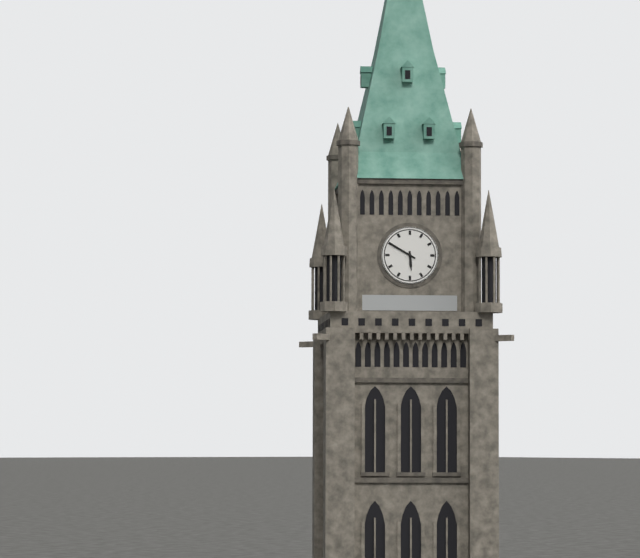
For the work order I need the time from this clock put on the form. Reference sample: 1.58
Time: 5.50
